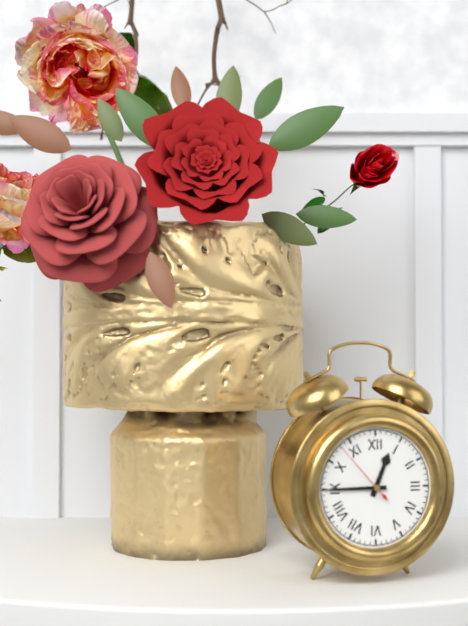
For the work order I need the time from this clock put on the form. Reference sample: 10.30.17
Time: 12.45.53
